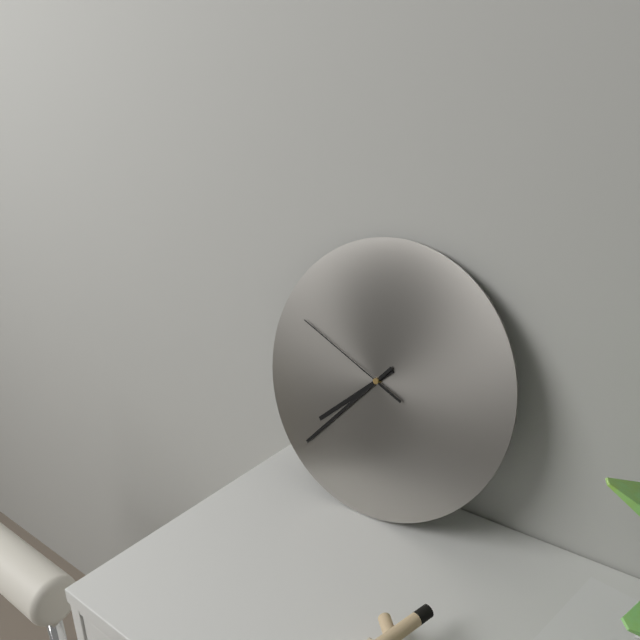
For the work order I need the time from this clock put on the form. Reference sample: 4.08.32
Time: 7.37.49
